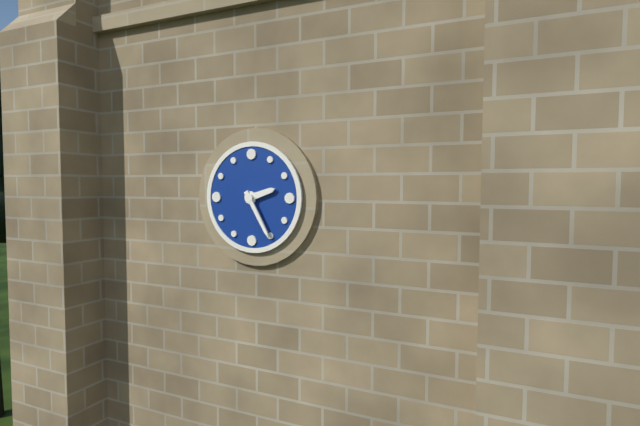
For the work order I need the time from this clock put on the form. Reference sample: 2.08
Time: 2.25
